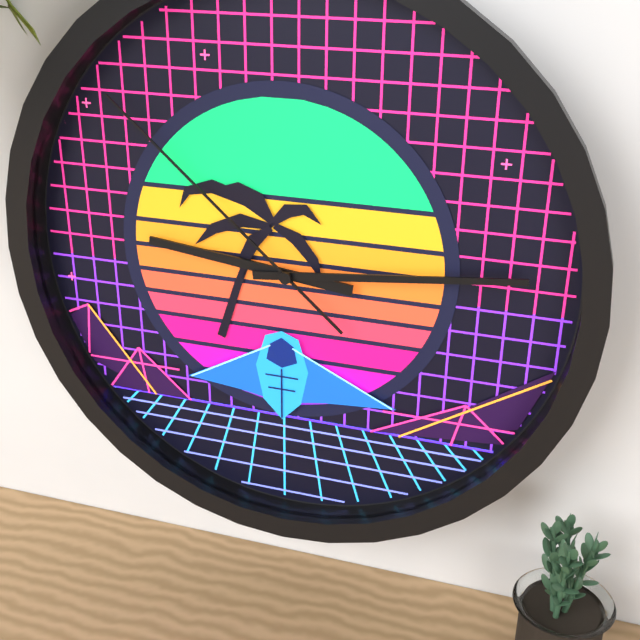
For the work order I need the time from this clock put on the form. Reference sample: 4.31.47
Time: 9.14.52
